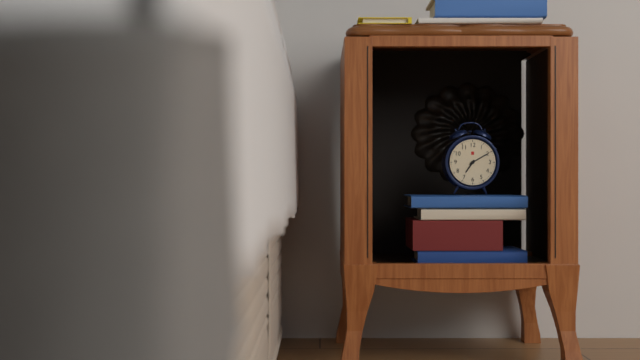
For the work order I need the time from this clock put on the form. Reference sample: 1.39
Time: 7.10
